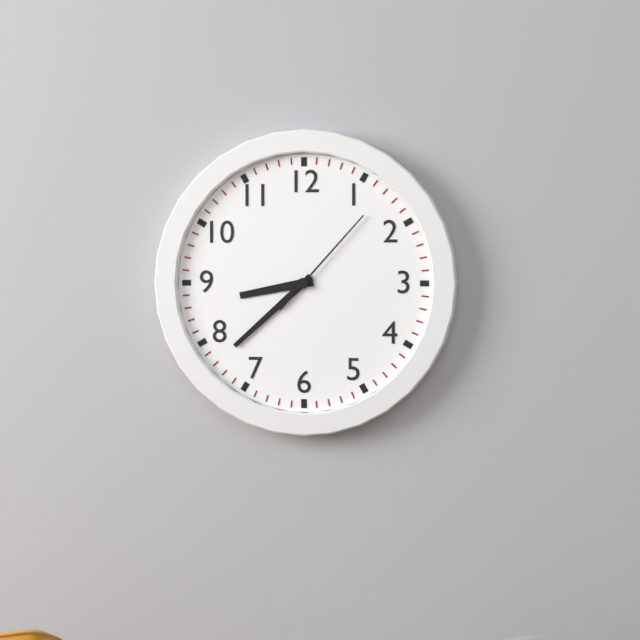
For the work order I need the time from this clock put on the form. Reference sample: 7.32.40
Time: 8.38.07
